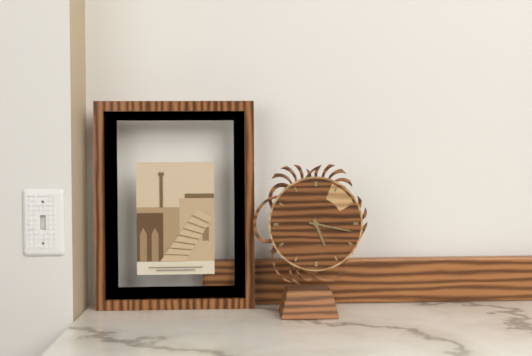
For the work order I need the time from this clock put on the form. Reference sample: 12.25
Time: 5.17
